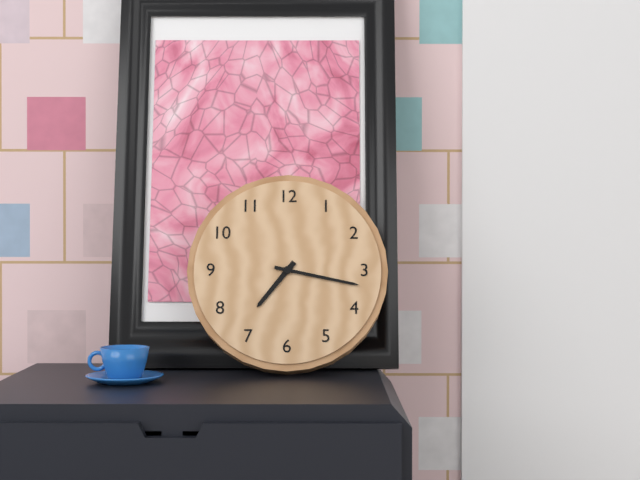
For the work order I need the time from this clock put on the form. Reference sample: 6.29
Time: 7.17
